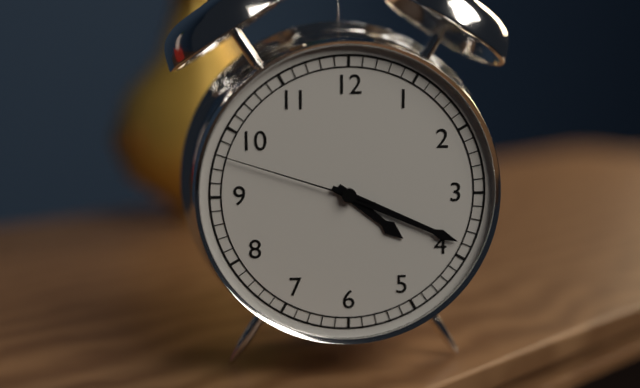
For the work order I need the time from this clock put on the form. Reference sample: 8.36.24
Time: 4.19.48
